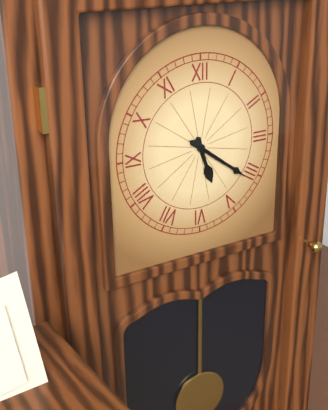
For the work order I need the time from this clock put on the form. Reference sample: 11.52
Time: 5.21
